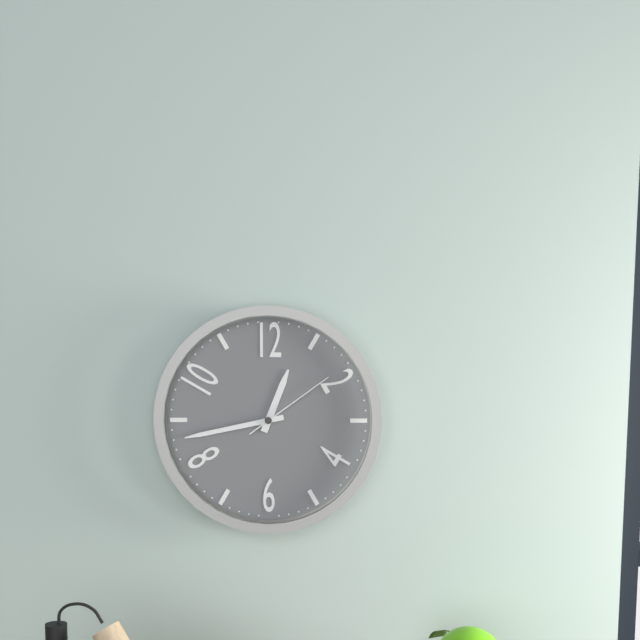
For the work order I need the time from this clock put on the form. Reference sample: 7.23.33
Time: 12.43.09
